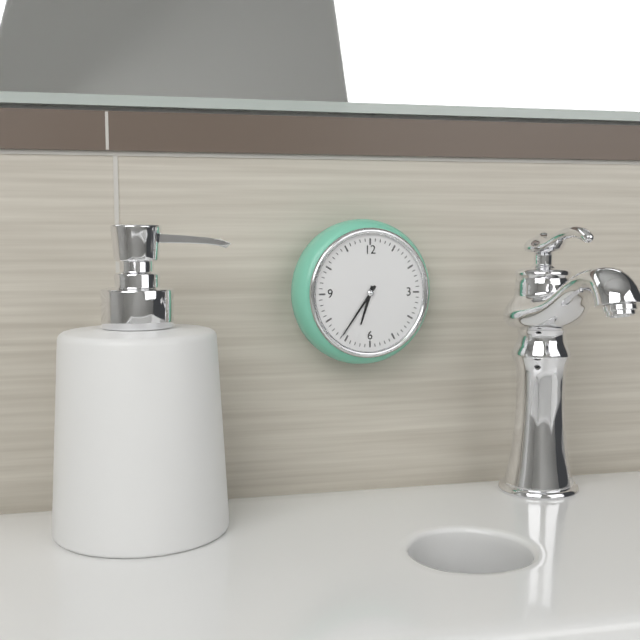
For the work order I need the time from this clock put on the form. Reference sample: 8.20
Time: 6.36
